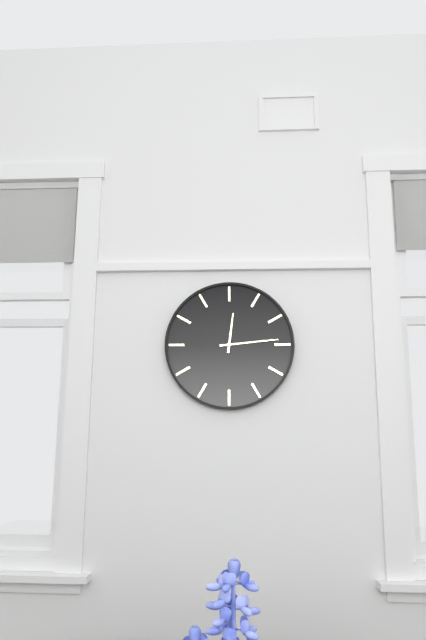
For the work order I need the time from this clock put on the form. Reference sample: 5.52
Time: 12.14
